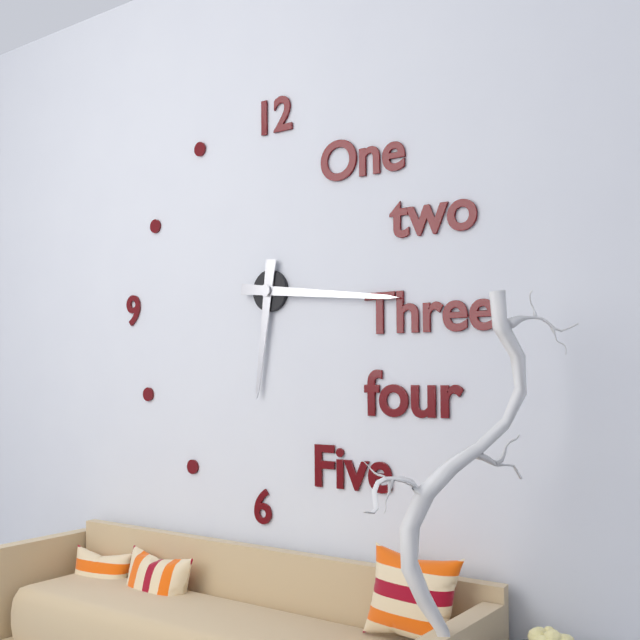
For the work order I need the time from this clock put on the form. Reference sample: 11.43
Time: 6.16
